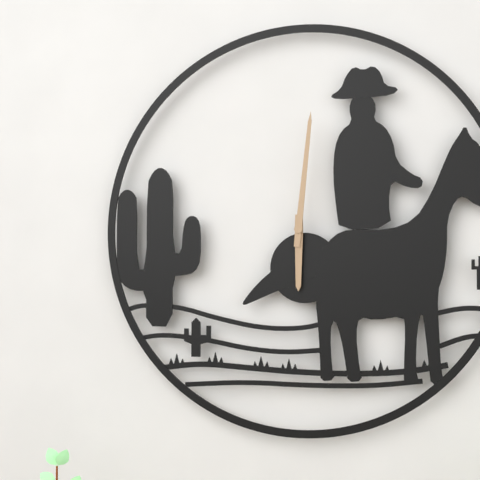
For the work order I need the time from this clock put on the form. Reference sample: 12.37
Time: 6.01
